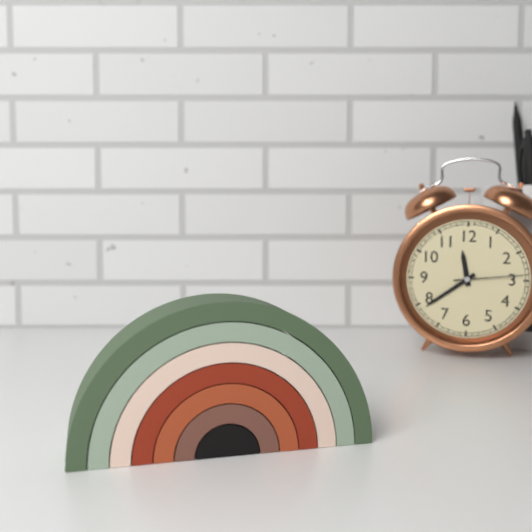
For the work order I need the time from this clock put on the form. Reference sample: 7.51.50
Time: 11.39.14
